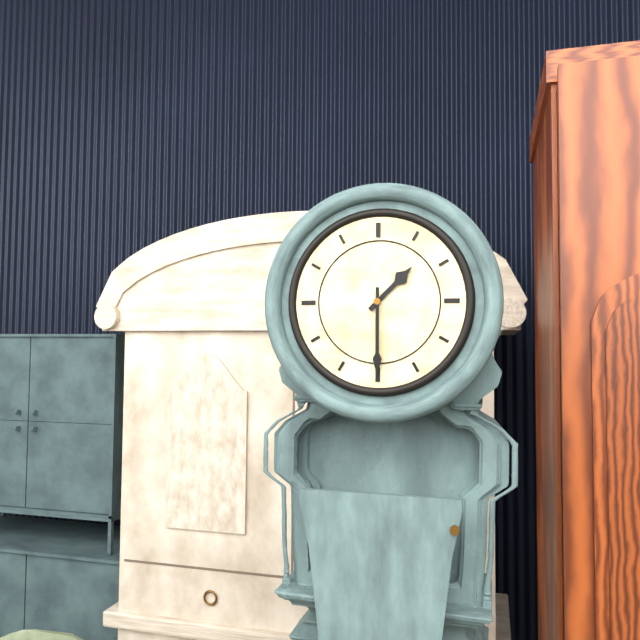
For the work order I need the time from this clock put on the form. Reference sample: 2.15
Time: 1.30
